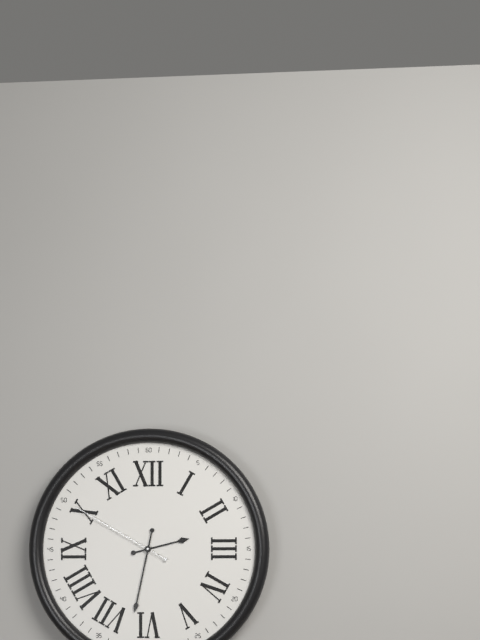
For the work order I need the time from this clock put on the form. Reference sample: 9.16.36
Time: 2.32.50
